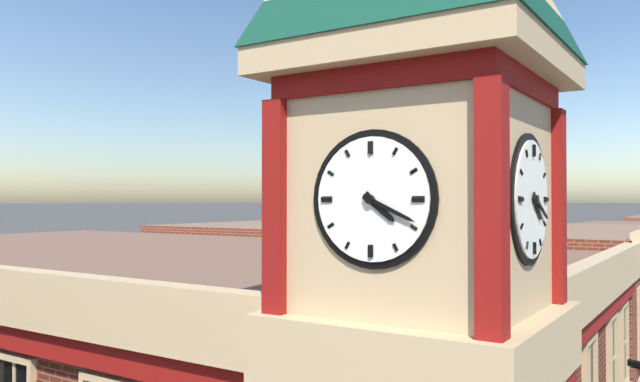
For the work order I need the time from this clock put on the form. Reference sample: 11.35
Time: 4.19
